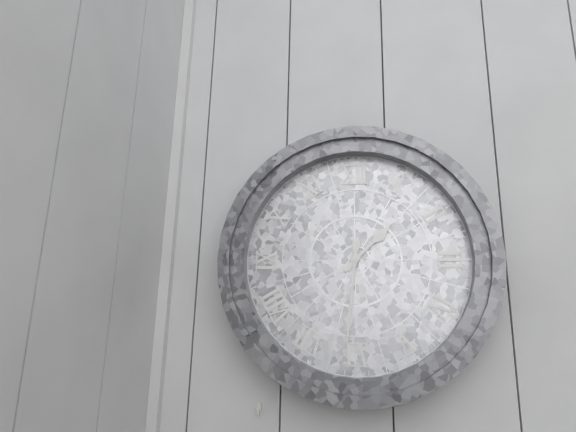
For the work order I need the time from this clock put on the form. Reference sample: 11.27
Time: 1.31
